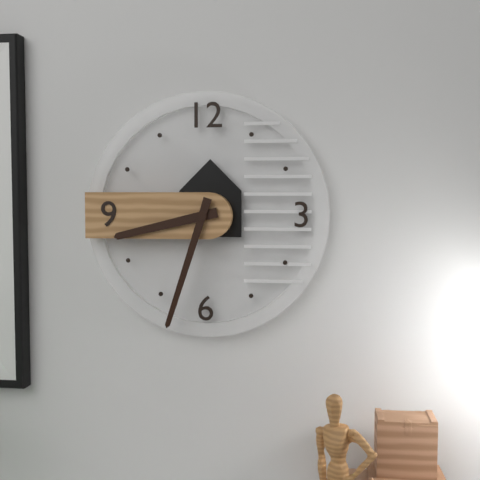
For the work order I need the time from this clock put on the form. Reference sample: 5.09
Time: 8.33
